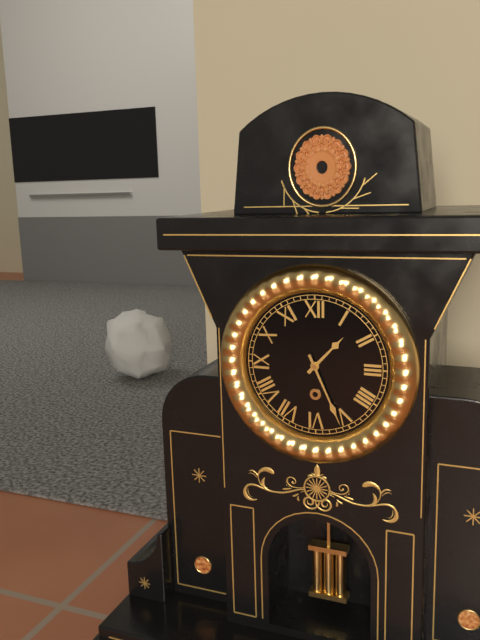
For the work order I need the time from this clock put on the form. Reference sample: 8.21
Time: 1.26
